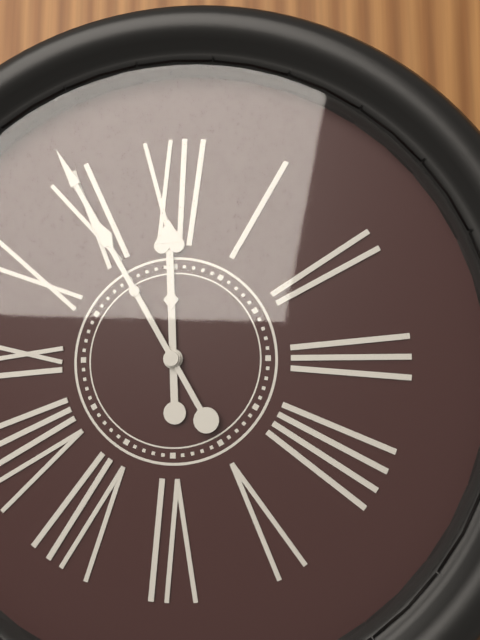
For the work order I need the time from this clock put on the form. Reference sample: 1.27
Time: 11.55
